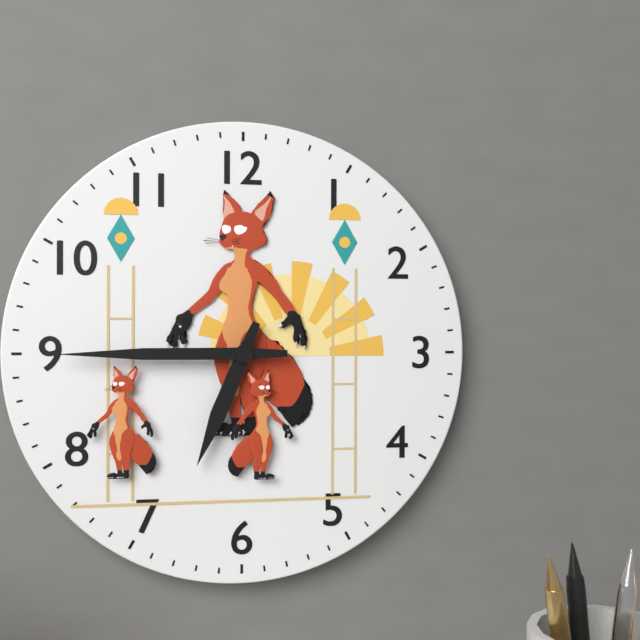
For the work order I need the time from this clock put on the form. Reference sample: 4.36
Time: 6.45
